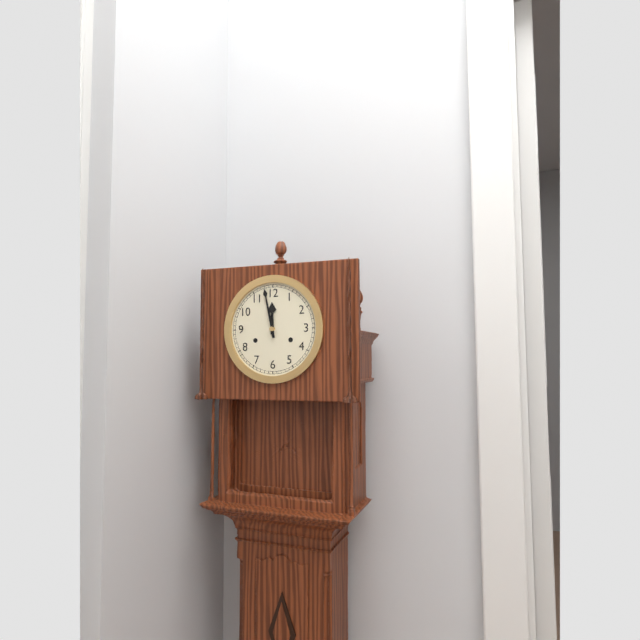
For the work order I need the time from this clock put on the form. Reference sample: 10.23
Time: 11.58
